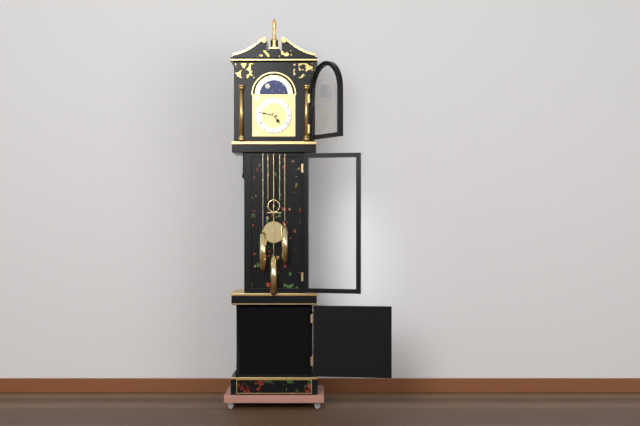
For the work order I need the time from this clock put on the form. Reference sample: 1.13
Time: 4.47
